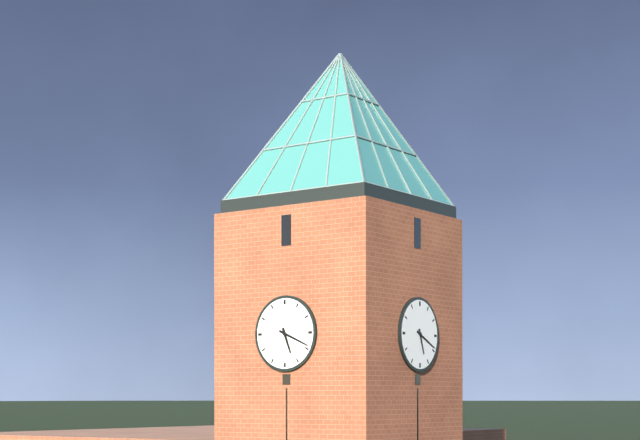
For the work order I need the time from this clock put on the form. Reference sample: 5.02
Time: 5.19
